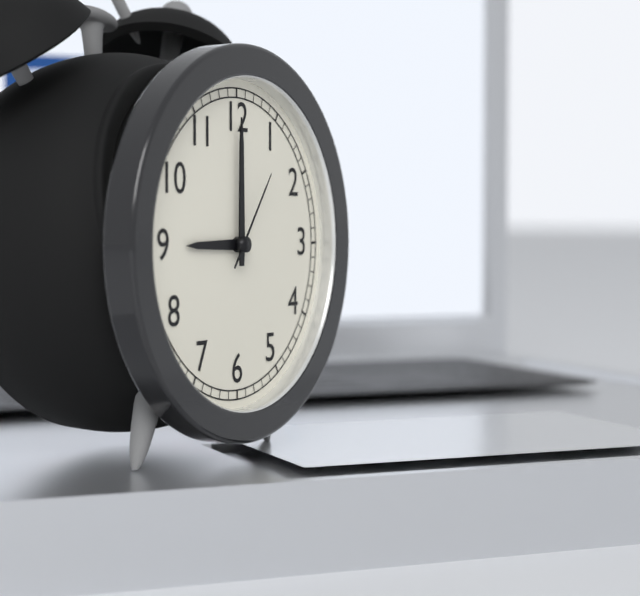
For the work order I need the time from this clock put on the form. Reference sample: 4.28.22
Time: 9.00.06
